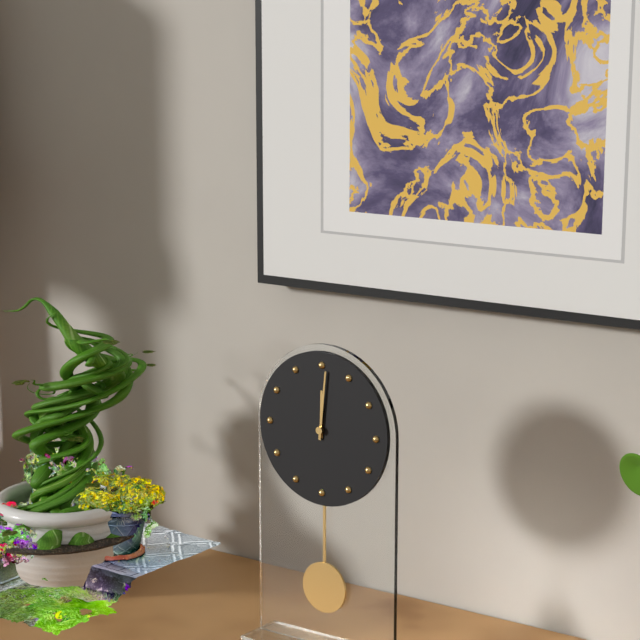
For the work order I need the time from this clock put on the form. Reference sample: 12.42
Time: 12.01
